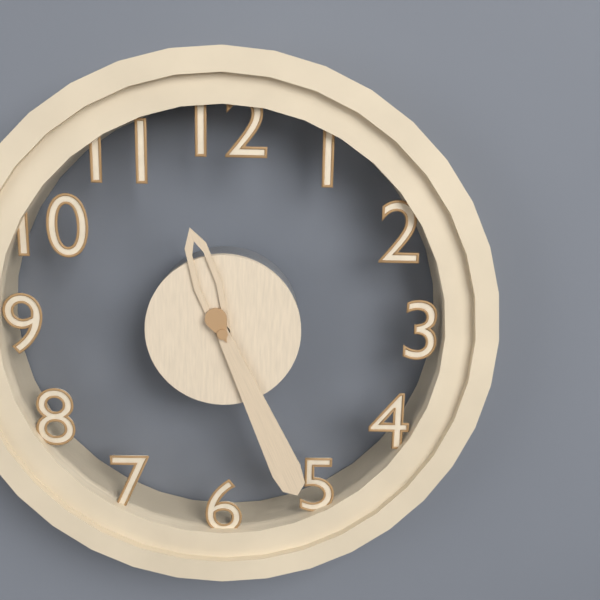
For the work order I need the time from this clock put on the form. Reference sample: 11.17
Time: 11.26
